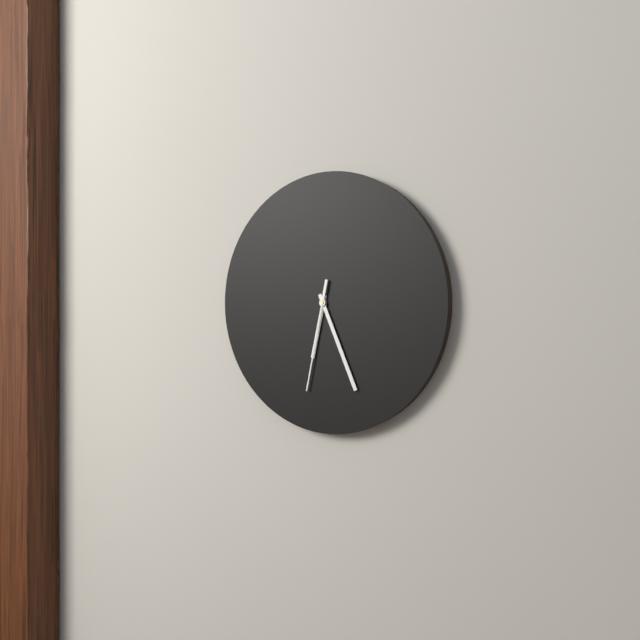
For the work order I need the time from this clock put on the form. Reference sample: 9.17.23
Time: 6.26.32
